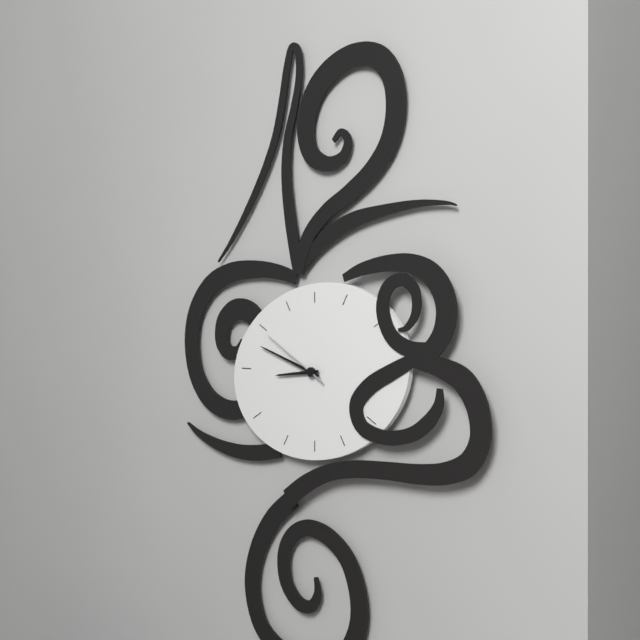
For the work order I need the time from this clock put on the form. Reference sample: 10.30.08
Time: 8.48.50
